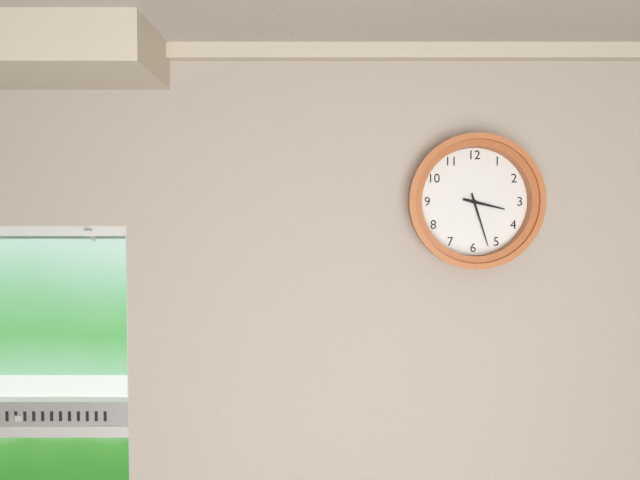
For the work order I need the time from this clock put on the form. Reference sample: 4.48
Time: 3.27
